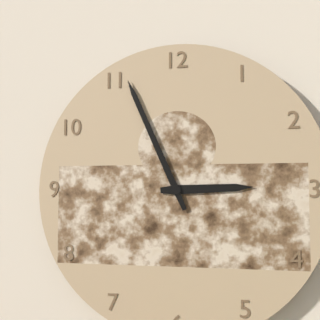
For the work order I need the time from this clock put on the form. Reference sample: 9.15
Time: 2.56
